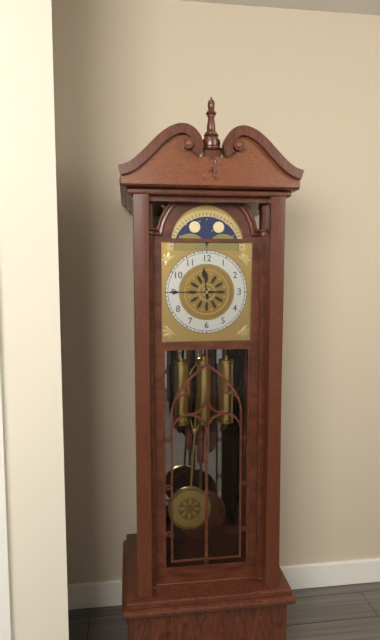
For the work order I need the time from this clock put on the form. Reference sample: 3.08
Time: 11.45
